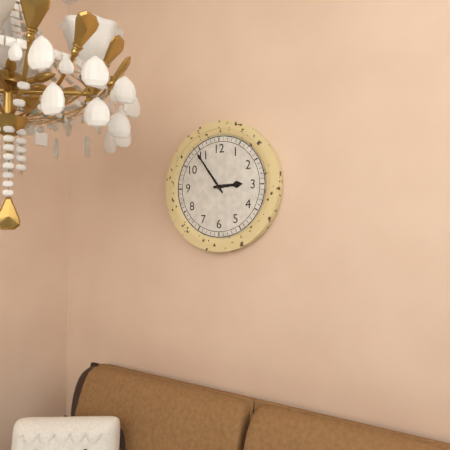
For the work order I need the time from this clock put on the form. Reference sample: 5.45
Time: 2.54
